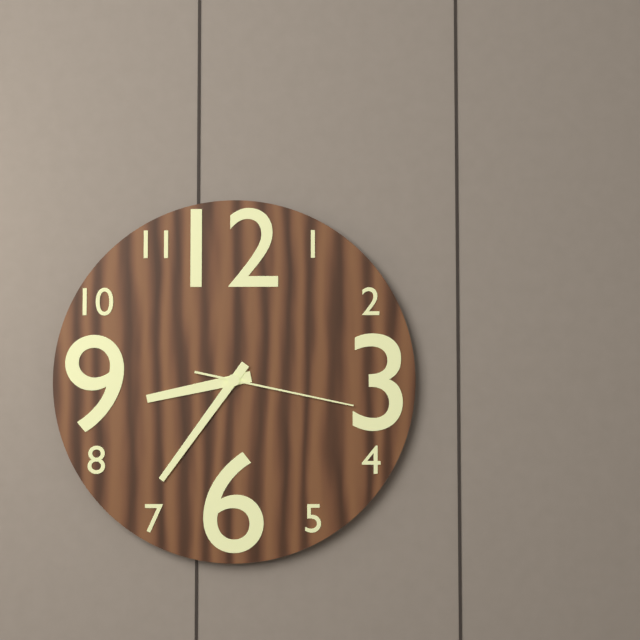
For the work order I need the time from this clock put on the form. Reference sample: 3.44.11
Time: 8.36.17
